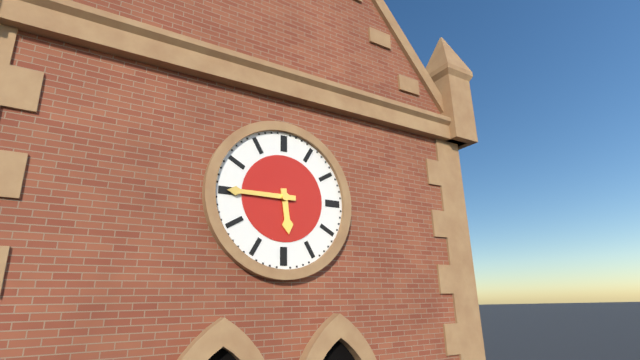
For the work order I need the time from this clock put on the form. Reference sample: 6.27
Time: 5.45
